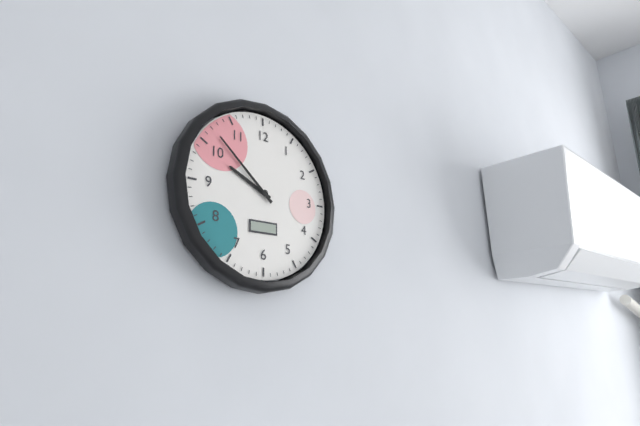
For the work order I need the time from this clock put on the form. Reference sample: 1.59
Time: 9.52
